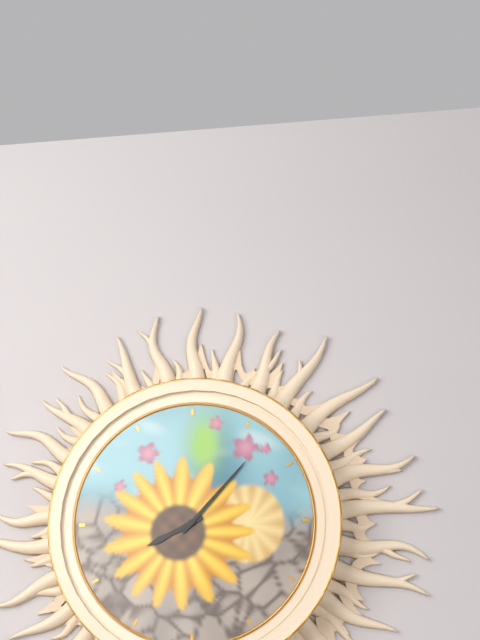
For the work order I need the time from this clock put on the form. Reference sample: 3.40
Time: 8.07
